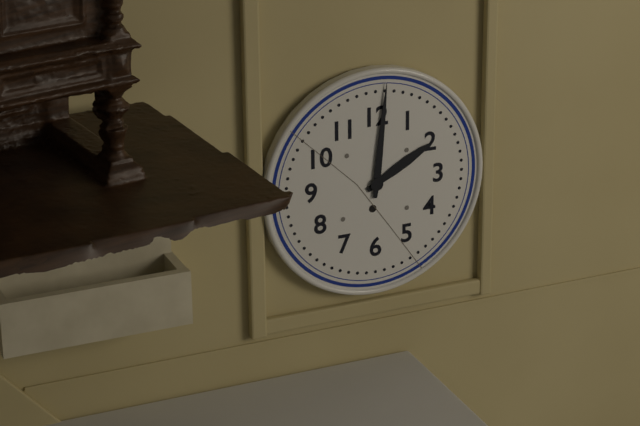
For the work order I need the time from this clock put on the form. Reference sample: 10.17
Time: 2.01
